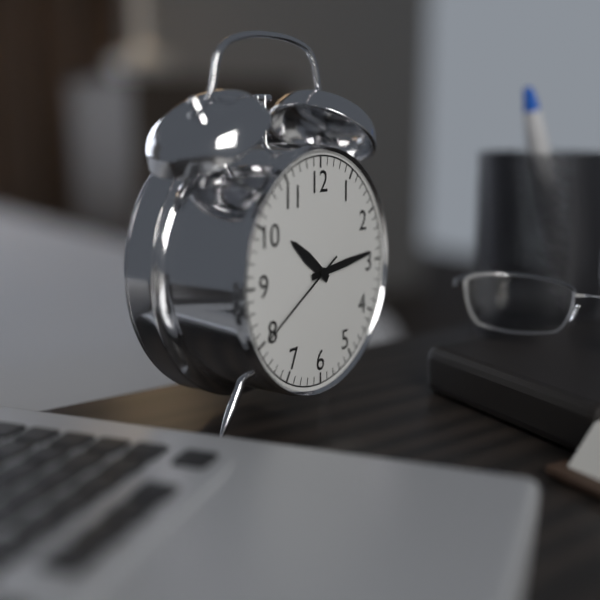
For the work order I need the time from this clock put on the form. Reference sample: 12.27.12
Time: 10.14.40
